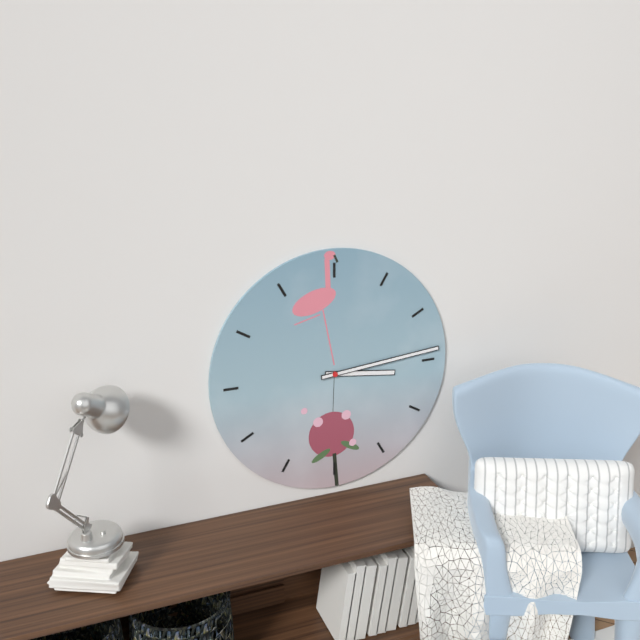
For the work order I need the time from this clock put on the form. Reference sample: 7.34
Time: 3.14
